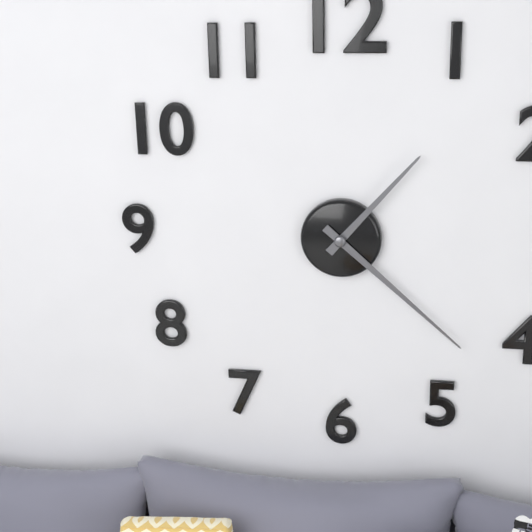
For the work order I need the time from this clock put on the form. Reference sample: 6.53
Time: 1.22
